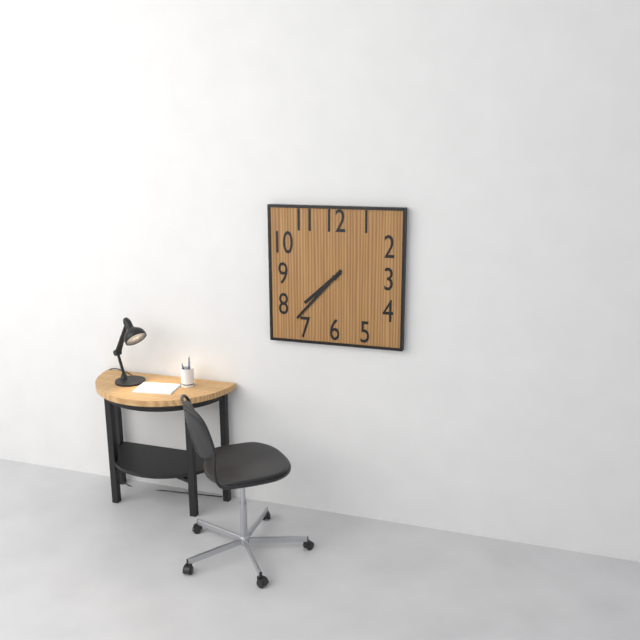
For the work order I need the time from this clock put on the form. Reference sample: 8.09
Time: 7.37
